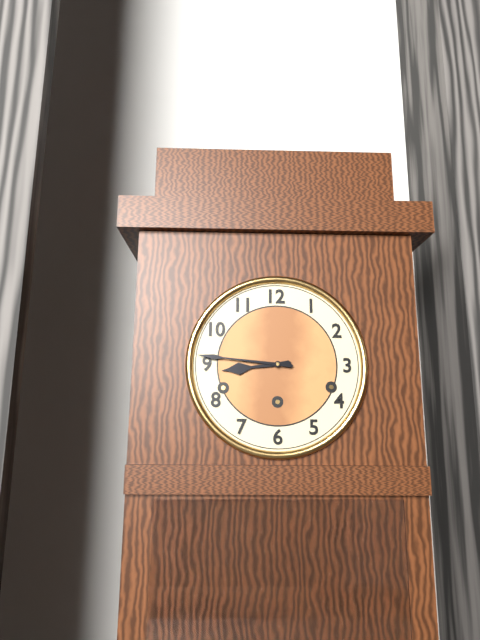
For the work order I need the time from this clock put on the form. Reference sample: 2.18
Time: 8.46
